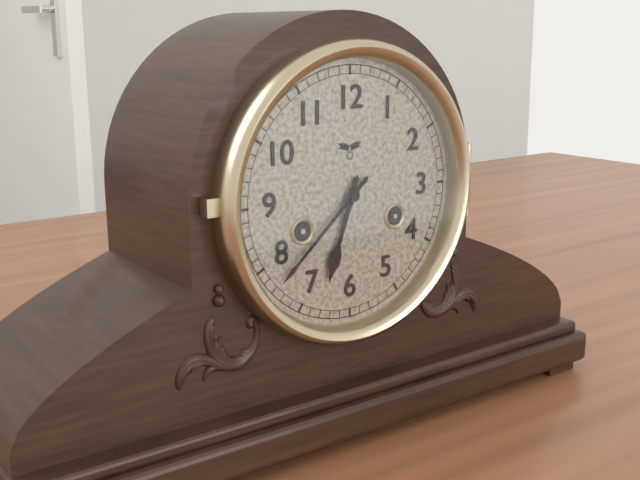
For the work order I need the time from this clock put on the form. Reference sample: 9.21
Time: 6.38
